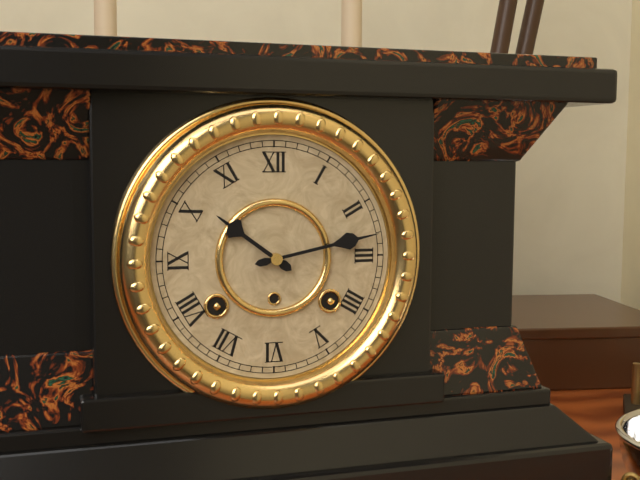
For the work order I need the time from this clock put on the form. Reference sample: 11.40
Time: 10.13
